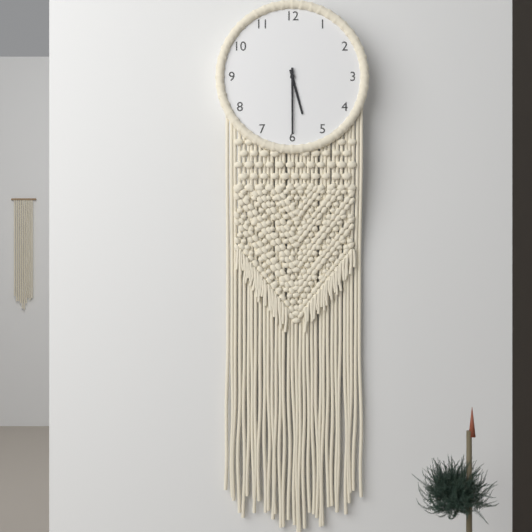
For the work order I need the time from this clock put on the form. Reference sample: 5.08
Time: 5.30
